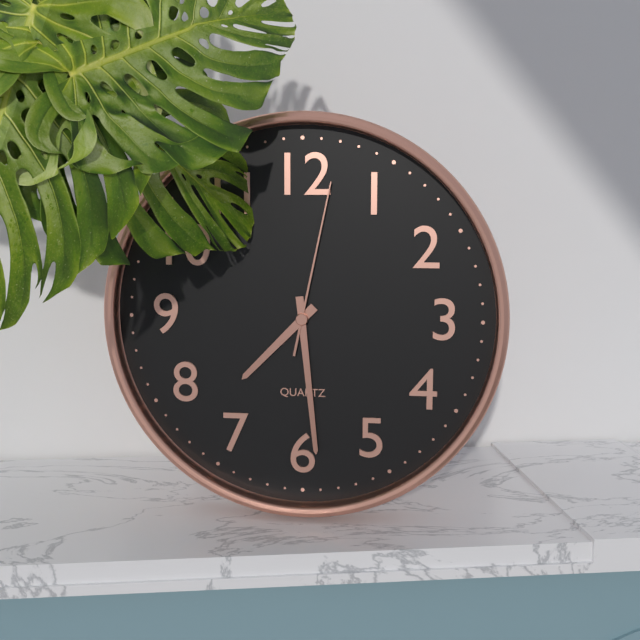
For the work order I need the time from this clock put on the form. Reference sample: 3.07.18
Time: 7.29.02
